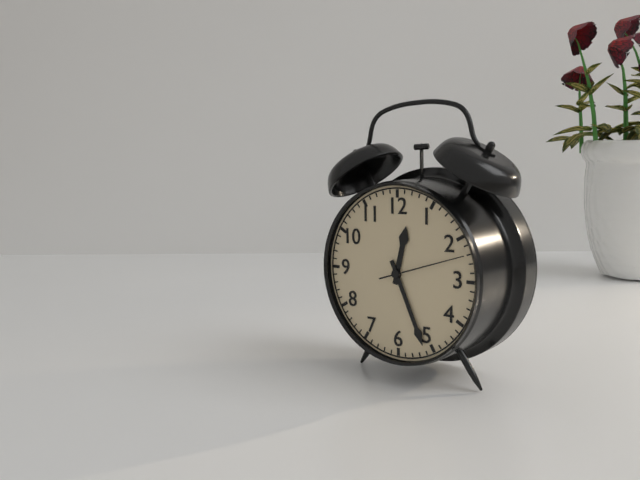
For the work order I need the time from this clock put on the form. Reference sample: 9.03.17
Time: 12.26.12
